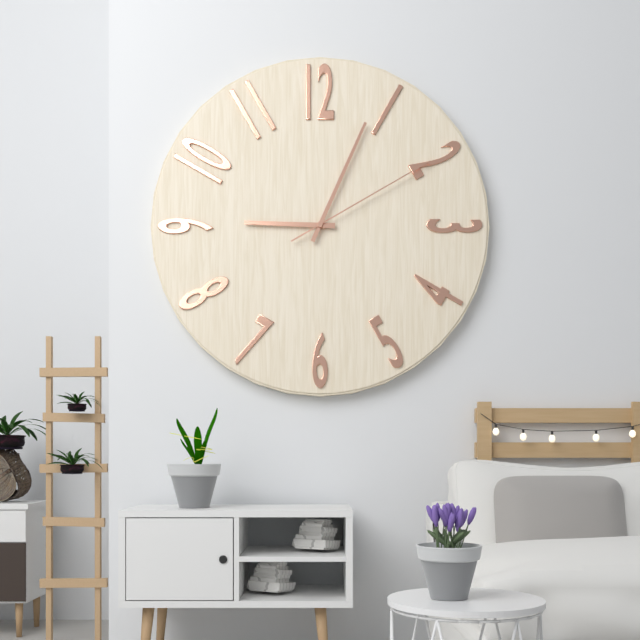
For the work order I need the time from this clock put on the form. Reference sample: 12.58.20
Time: 9.04.10
